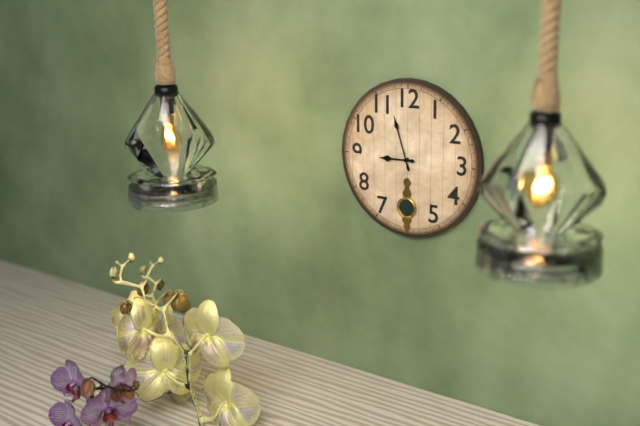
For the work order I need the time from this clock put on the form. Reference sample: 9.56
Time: 8.57
